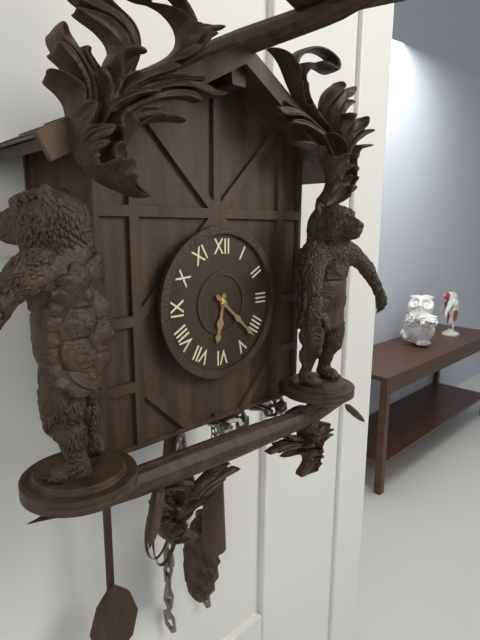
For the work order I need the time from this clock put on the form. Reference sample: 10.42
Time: 6.22
